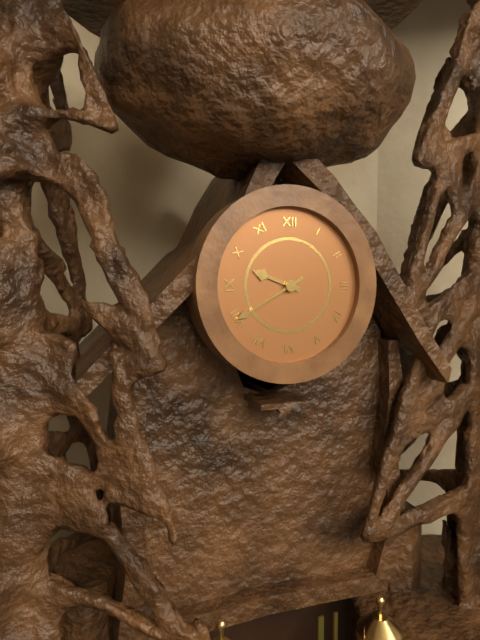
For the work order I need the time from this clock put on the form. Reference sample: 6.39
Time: 9.40
